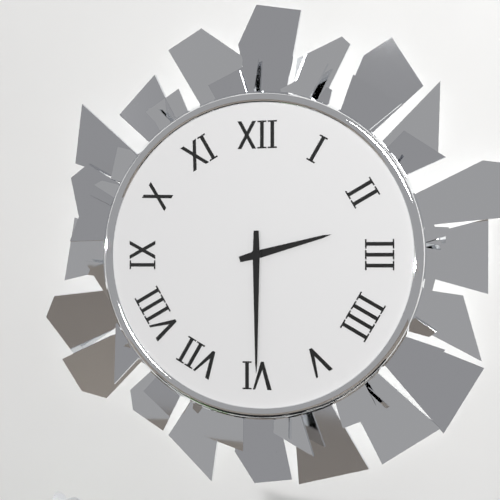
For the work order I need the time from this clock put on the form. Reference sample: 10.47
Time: 2.30
